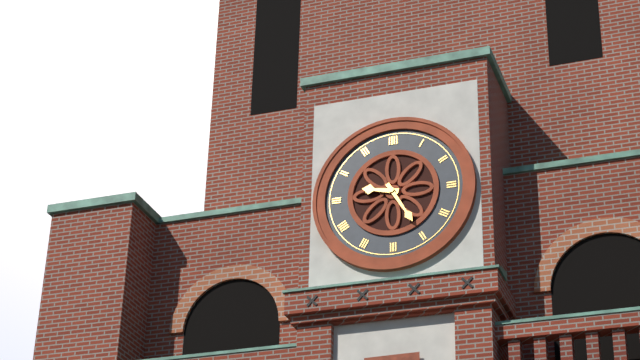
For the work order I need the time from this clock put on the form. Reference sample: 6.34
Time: 9.25
